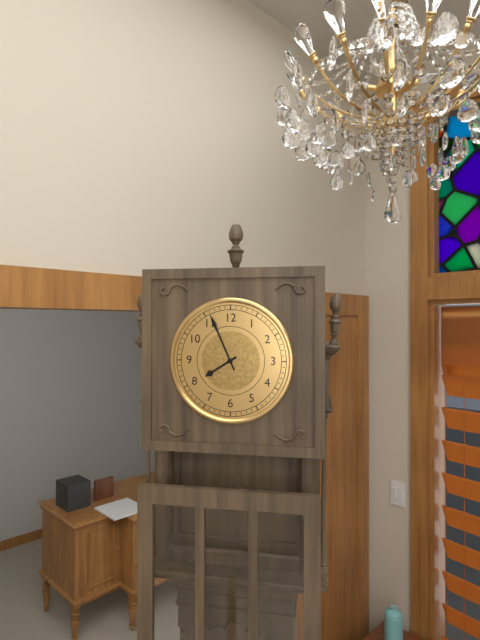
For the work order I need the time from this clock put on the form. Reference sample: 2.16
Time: 7.56
